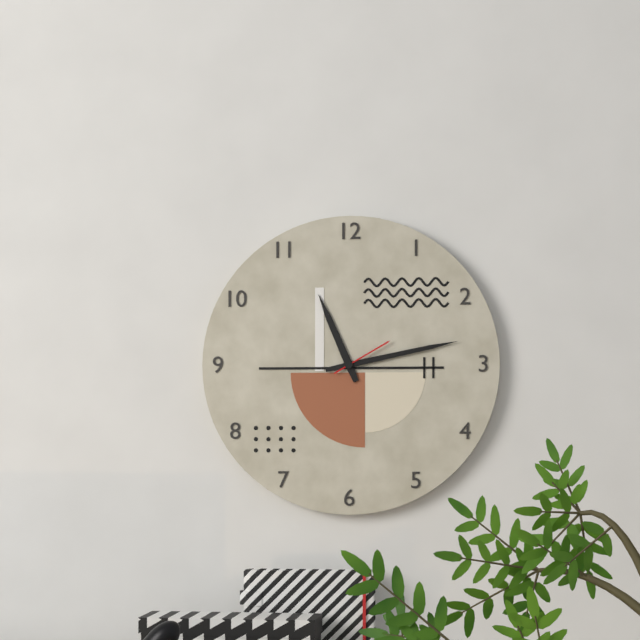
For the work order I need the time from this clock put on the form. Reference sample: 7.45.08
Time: 11.13.10
